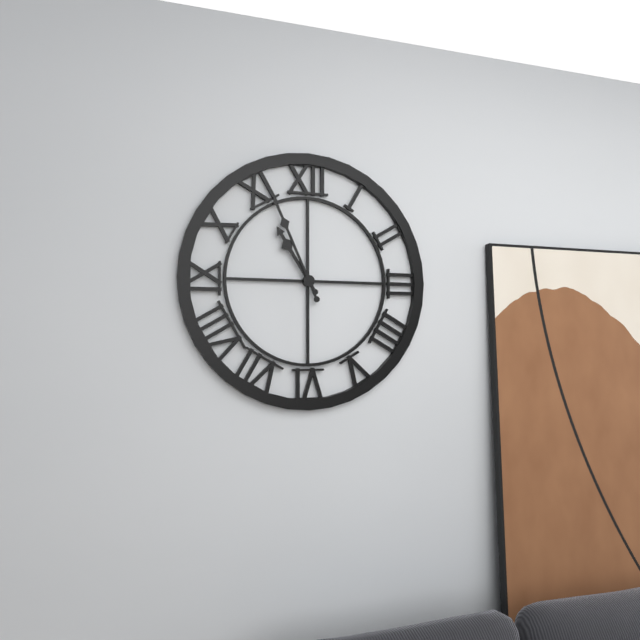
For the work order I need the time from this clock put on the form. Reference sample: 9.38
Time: 10.56
